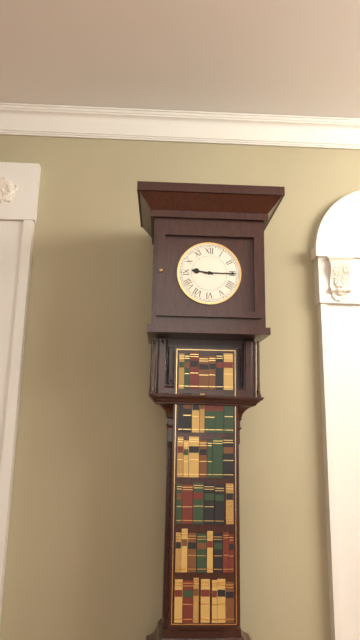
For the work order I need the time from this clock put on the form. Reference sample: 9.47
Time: 9.15
